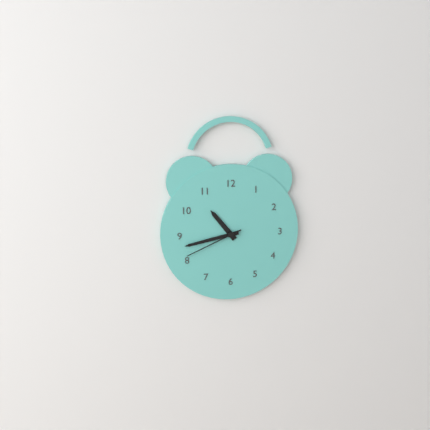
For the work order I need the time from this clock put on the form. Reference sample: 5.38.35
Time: 10.43.41
